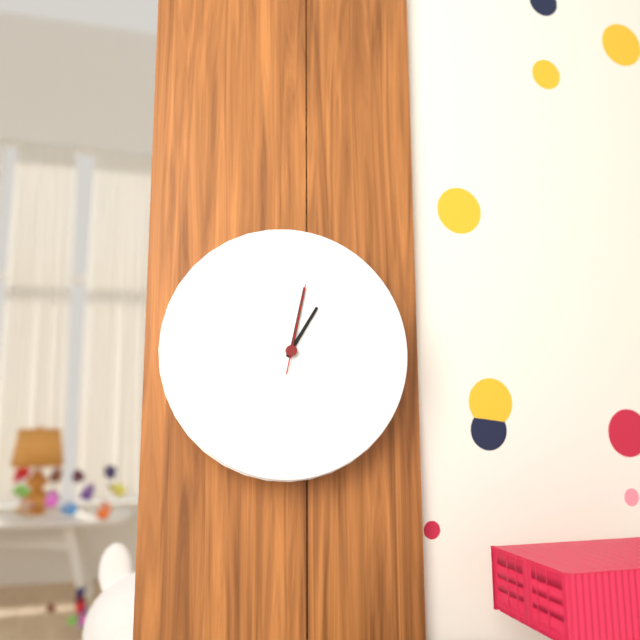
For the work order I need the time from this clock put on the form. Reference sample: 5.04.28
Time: 1.02.02
